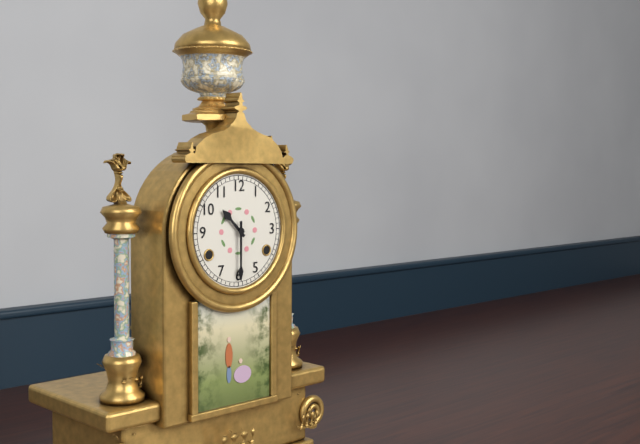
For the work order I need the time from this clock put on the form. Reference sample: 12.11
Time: 10.30
